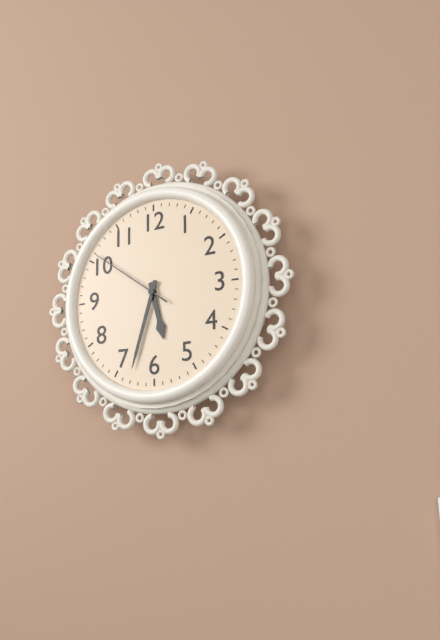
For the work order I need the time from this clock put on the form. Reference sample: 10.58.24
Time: 5.33.51
